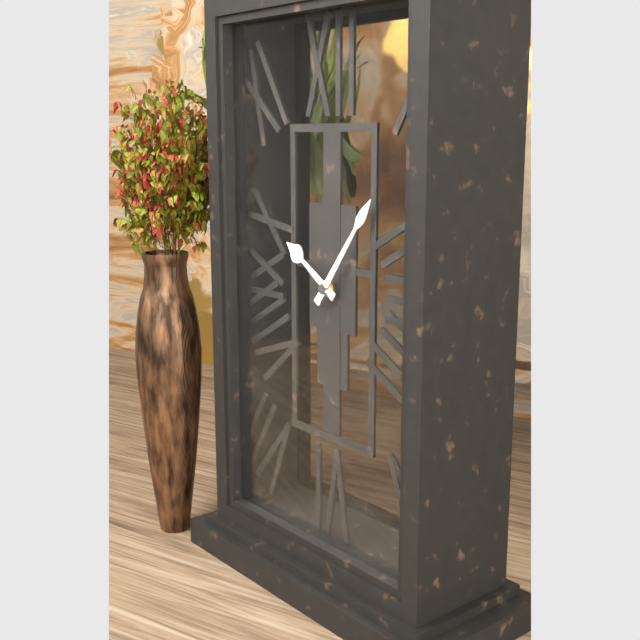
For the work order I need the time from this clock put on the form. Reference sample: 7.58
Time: 10.06
